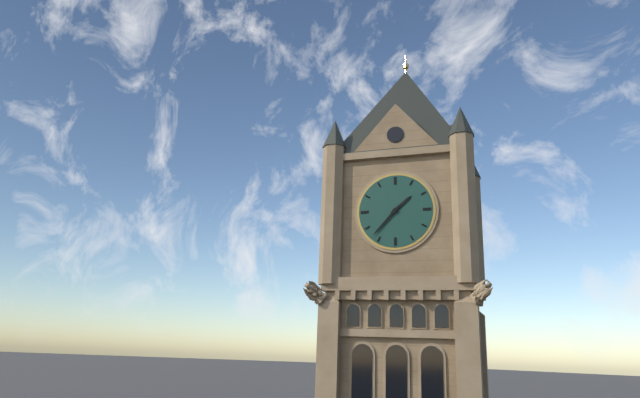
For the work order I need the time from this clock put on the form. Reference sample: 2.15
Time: 1.37
